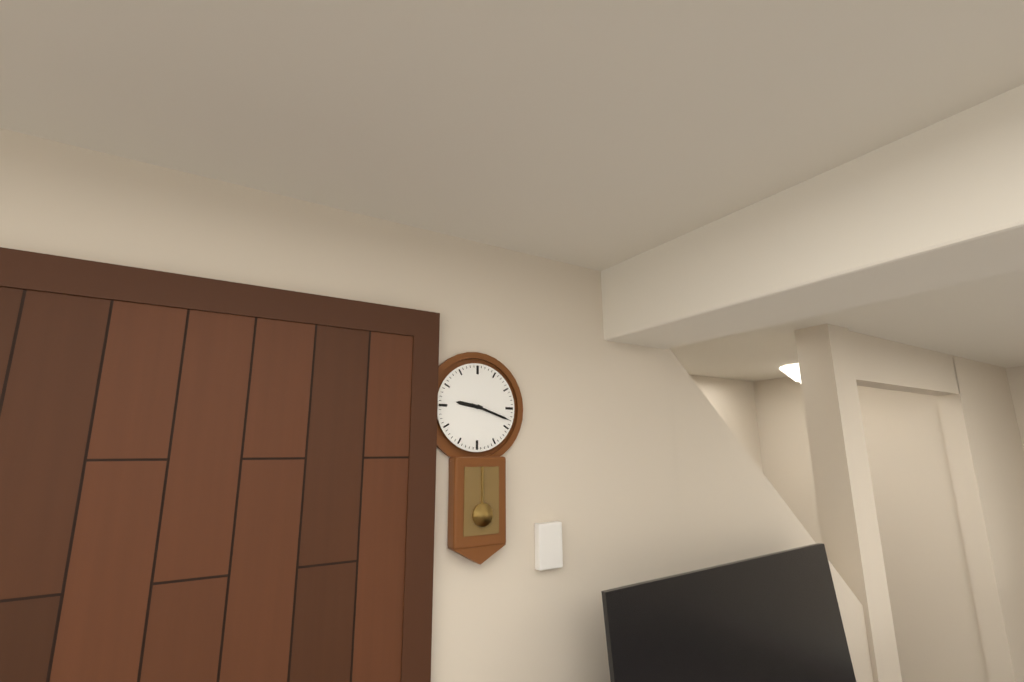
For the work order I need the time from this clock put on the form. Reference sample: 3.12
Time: 9.18
